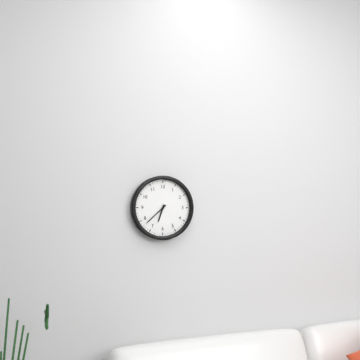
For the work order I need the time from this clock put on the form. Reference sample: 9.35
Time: 6.38
